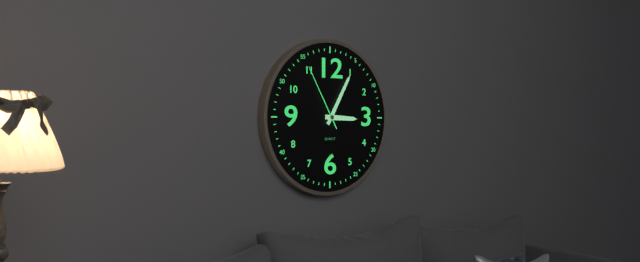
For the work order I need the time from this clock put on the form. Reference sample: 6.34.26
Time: 3.05.55
